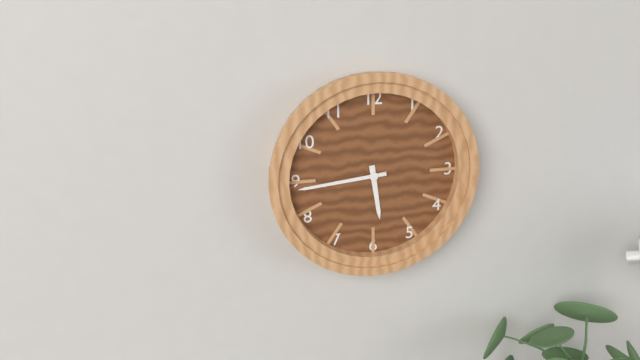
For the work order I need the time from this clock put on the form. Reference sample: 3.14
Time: 5.44
